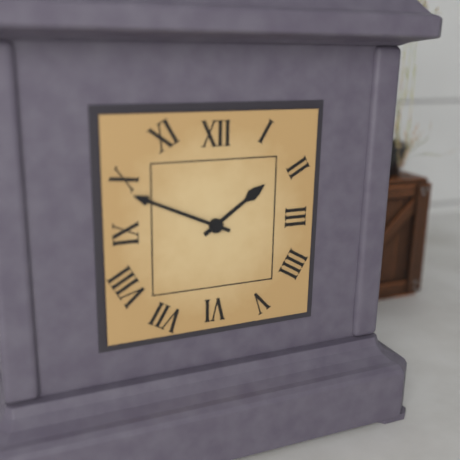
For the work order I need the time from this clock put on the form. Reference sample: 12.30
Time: 1.49
